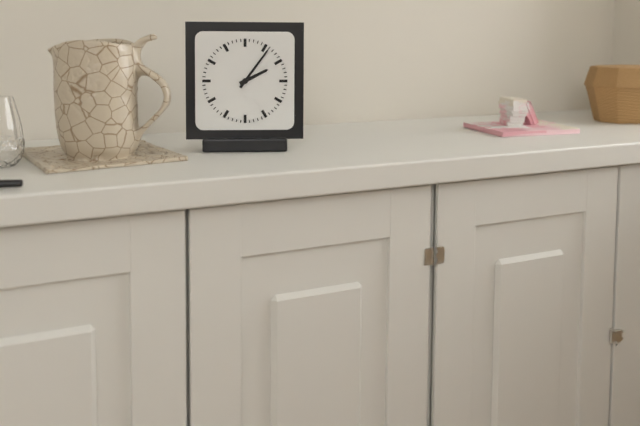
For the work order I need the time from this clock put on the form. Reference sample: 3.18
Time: 2.06
